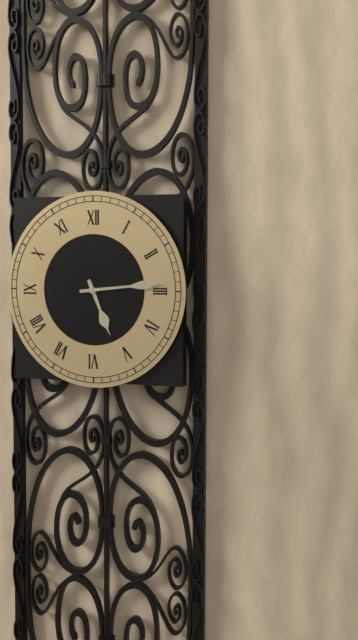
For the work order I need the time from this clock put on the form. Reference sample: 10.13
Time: 5.14
